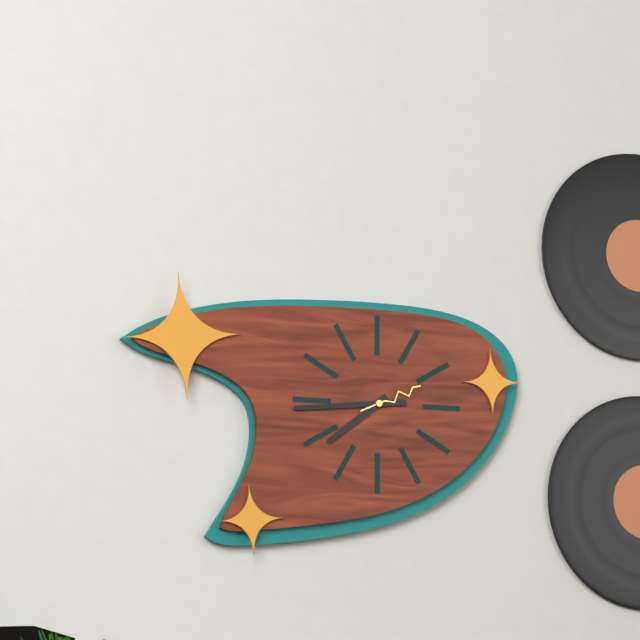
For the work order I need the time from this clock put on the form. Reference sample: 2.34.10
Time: 7.44.11
